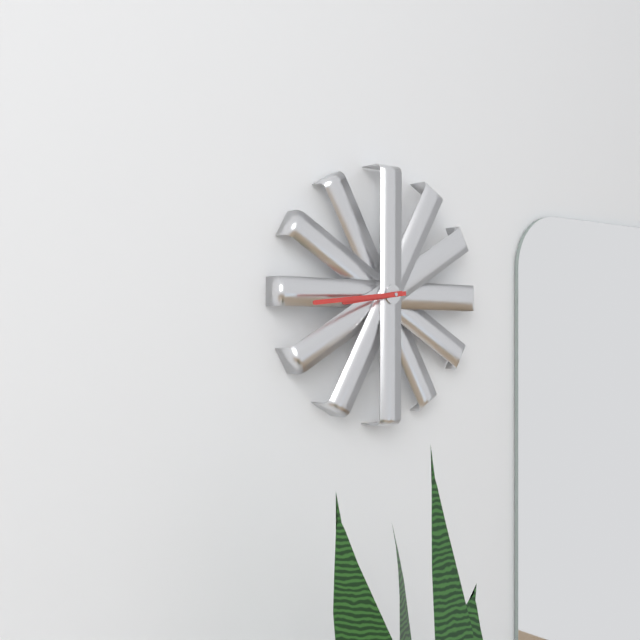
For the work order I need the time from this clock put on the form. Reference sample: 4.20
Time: 8.44
